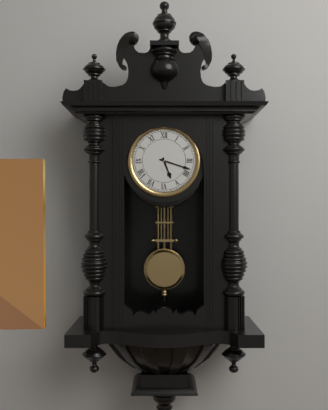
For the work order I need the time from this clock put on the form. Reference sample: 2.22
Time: 5.18
